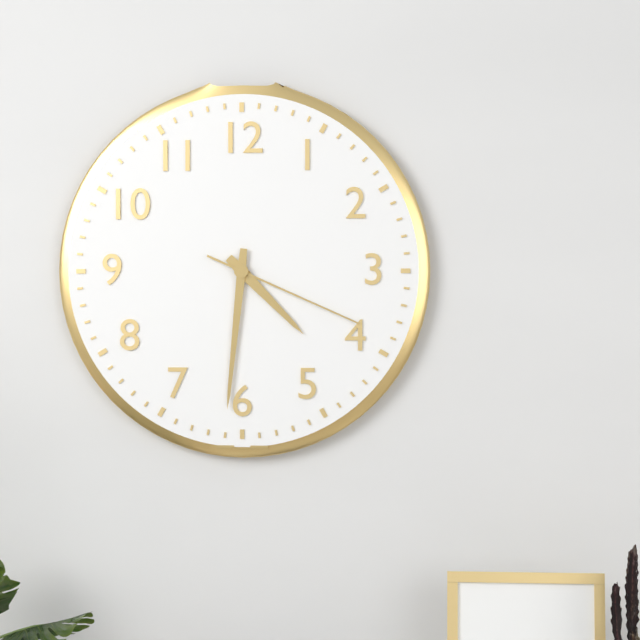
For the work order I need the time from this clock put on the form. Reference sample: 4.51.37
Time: 4.31.19
